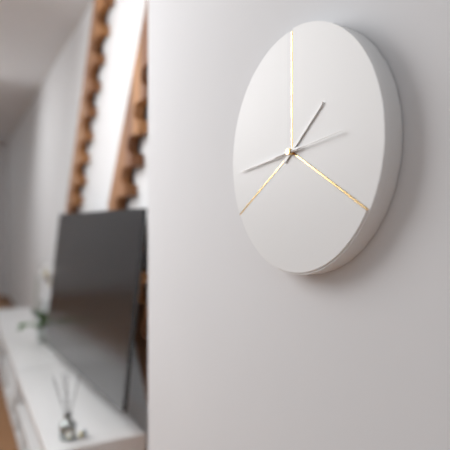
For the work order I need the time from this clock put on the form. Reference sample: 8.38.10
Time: 1.44.14
